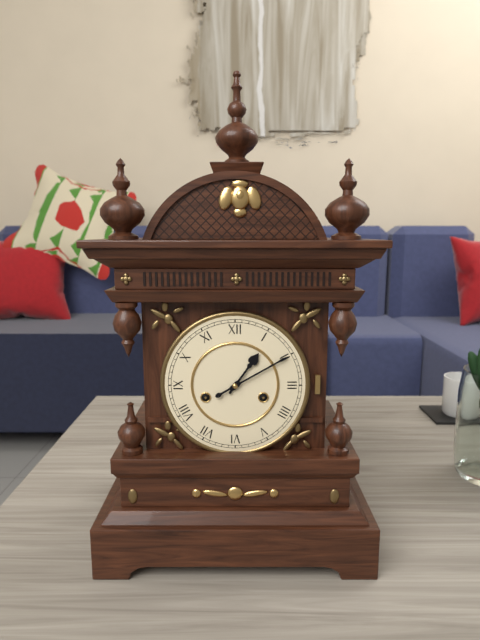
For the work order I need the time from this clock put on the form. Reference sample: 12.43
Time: 1.10
